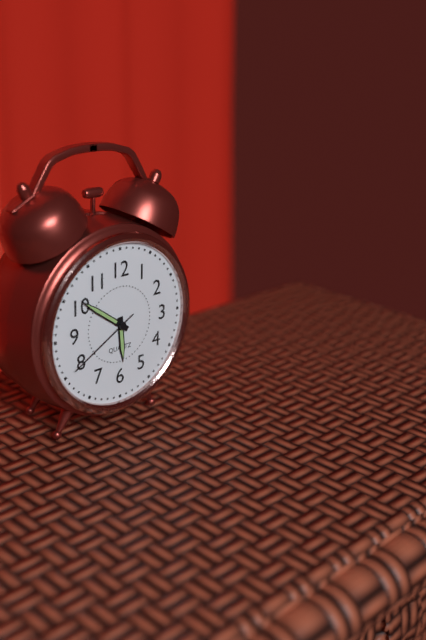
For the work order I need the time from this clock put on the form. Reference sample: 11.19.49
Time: 5.51.40
